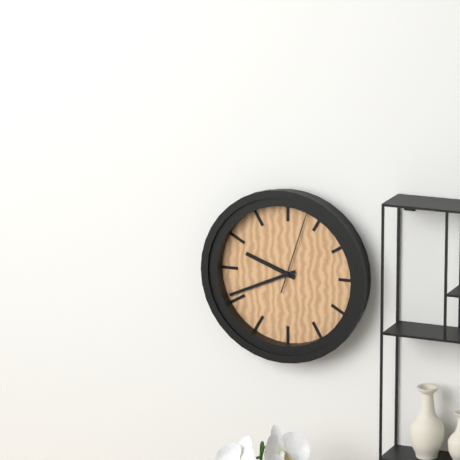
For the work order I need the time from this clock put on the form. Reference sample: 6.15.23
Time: 9.41.03
